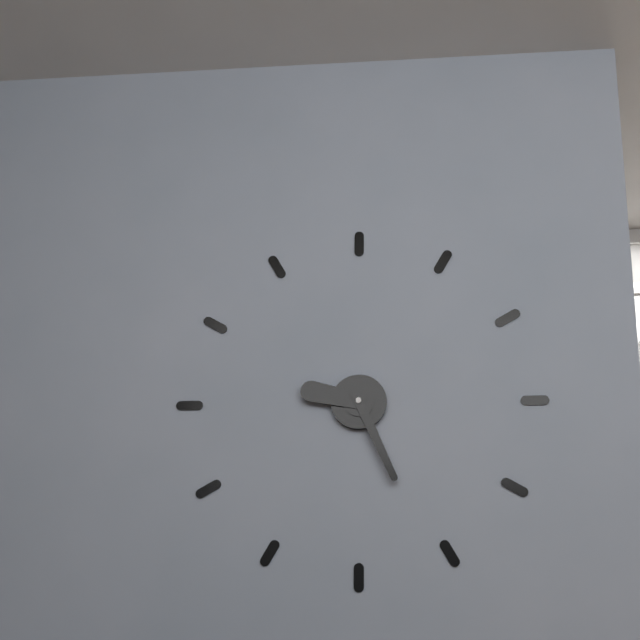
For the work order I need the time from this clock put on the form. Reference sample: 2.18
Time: 9.26
